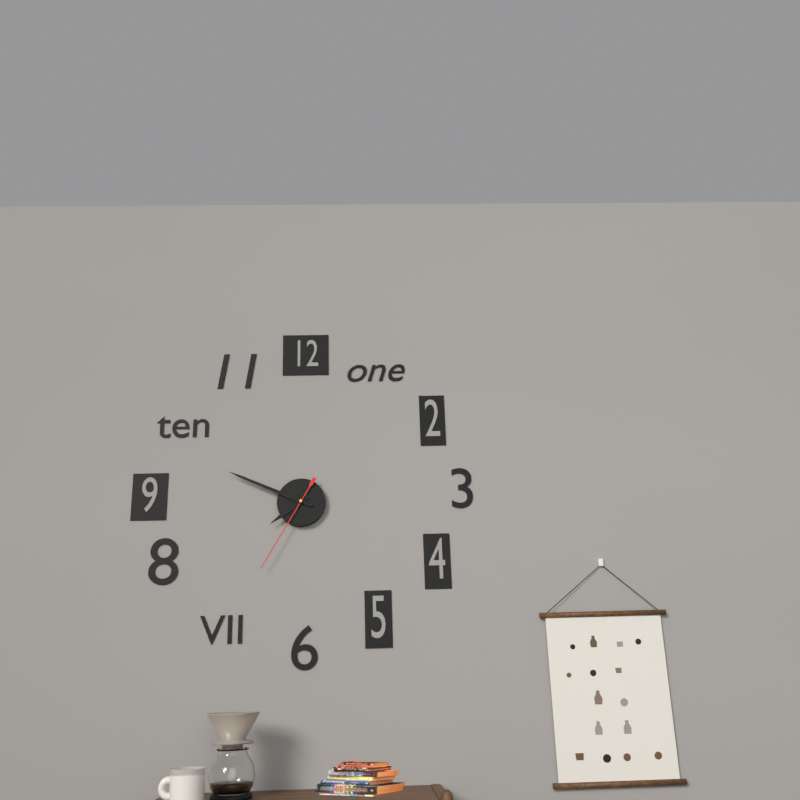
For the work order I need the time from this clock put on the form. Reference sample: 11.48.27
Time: 7.49.35
